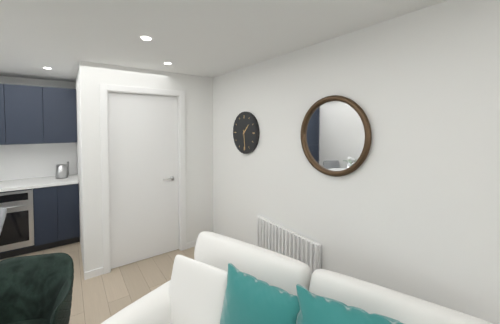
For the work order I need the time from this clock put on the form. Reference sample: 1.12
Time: 1.29
